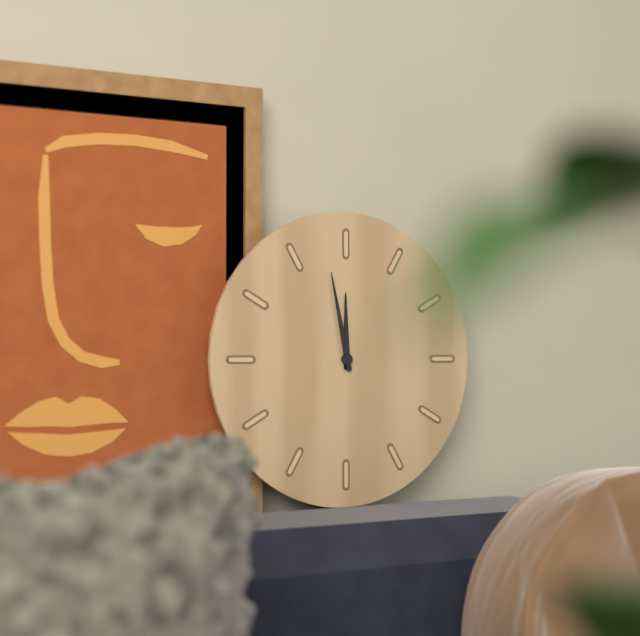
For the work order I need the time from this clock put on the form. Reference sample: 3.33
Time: 11.58
